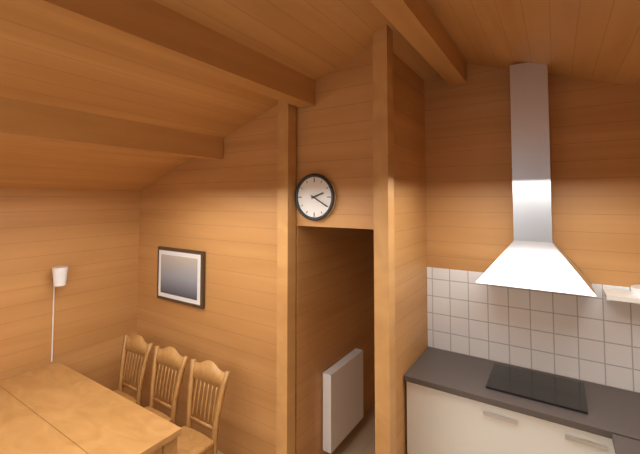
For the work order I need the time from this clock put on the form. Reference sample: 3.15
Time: 2.20
